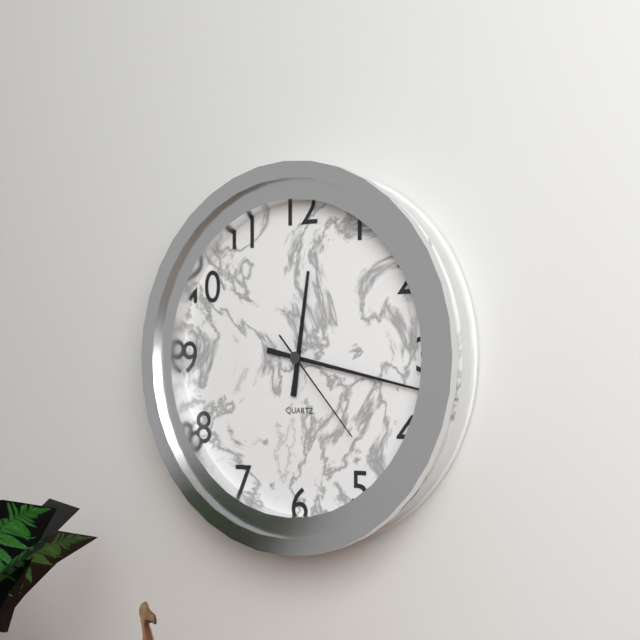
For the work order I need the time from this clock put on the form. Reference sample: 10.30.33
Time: 12.17.23
